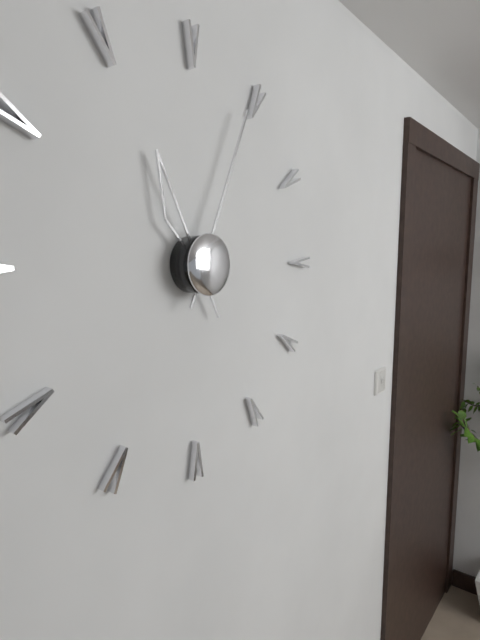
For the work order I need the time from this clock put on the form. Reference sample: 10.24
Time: 11.04
